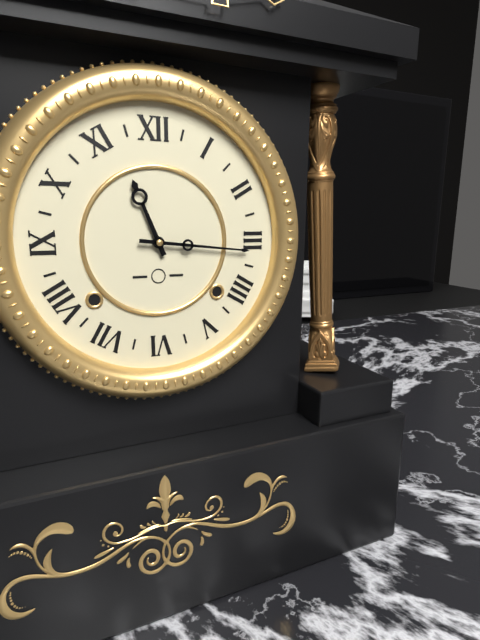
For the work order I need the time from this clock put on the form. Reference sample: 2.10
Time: 11.16
